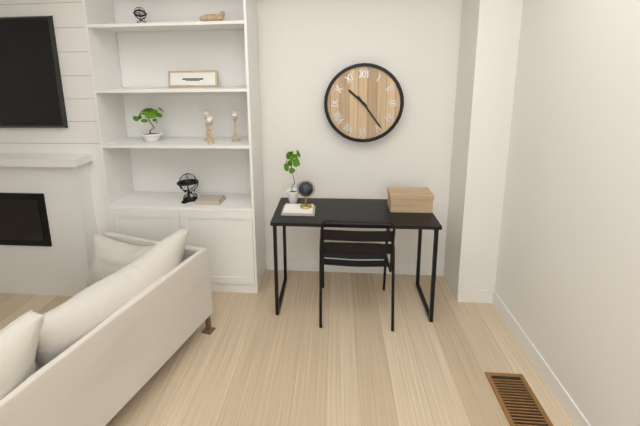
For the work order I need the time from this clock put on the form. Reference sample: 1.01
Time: 10.24
